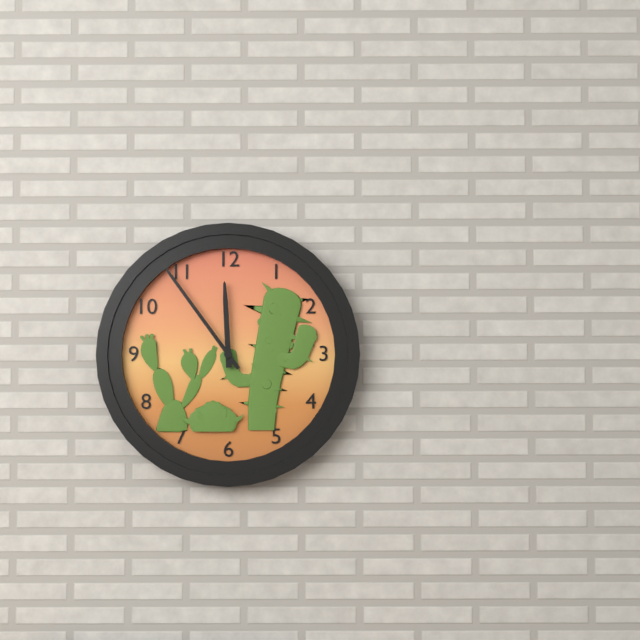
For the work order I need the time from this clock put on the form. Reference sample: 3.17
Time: 11.54
